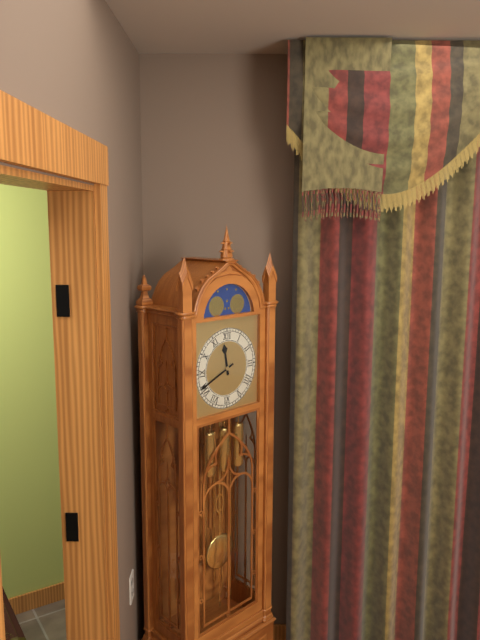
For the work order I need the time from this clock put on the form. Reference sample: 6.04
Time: 11.41
